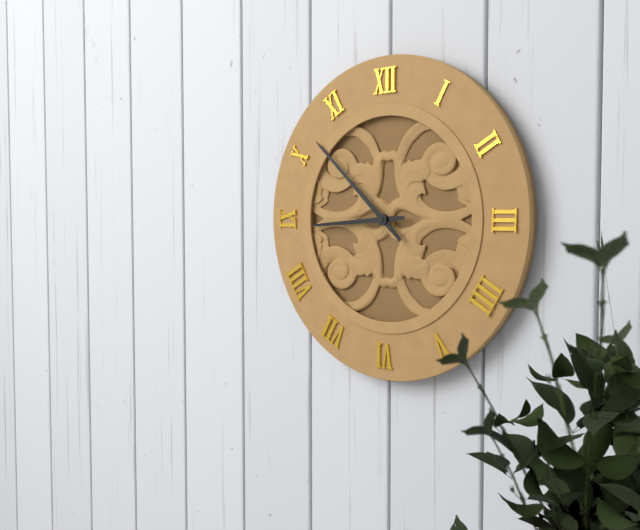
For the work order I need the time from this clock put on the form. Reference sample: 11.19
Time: 8.52
